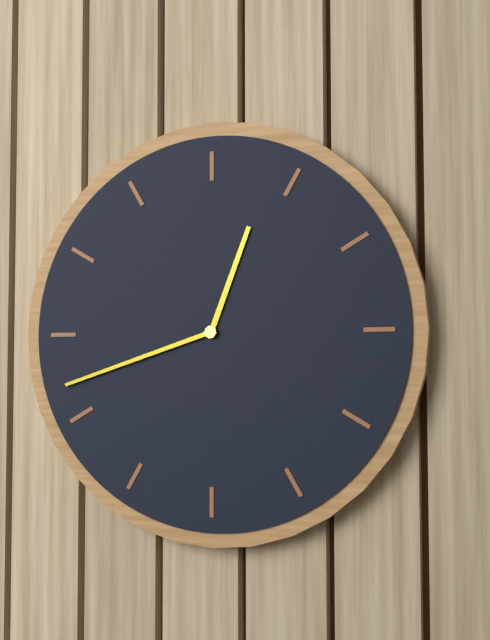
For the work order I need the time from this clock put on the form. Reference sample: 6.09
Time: 12.42
